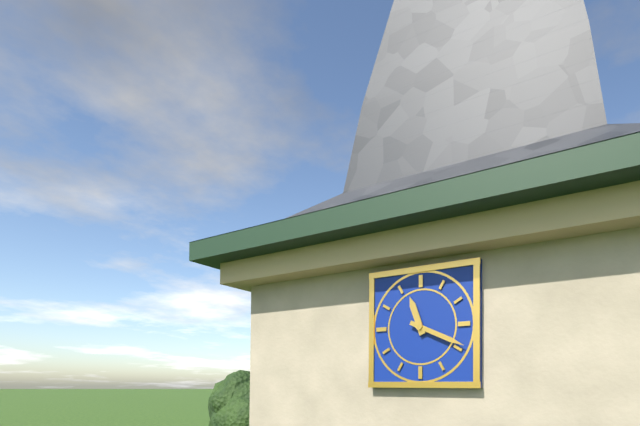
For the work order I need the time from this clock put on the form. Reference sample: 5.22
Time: 11.19
